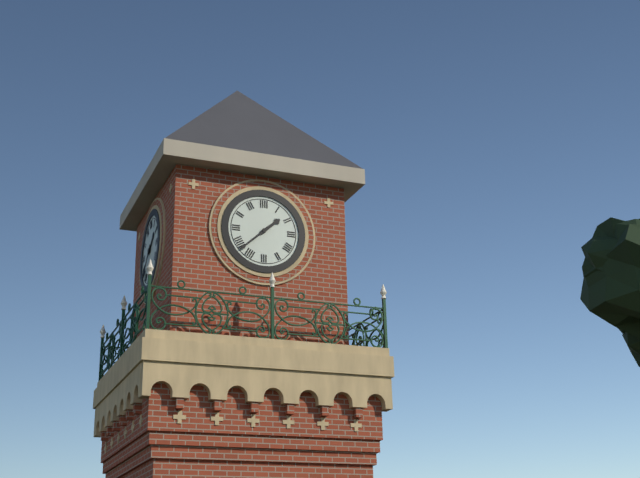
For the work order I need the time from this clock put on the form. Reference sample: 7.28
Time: 1.38
